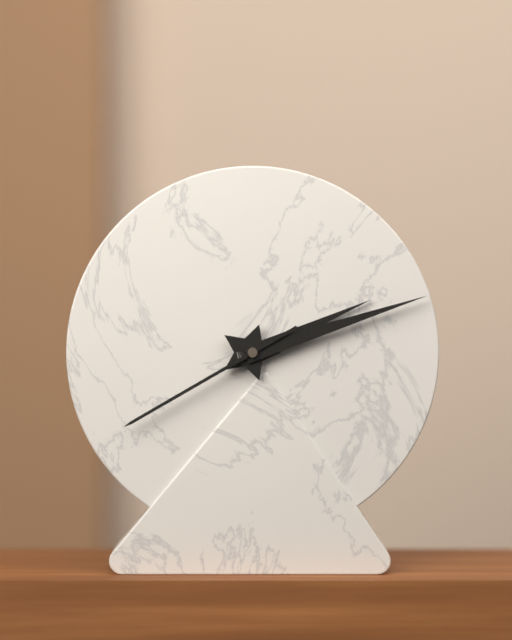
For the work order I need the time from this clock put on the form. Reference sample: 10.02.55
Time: 2.12.40
